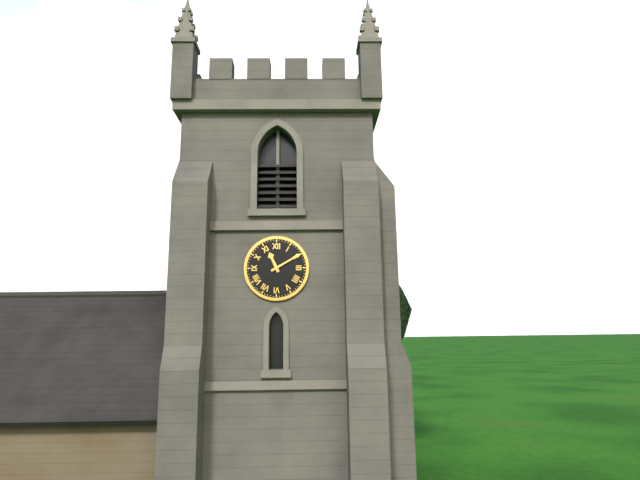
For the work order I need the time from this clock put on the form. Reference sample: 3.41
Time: 11.10
